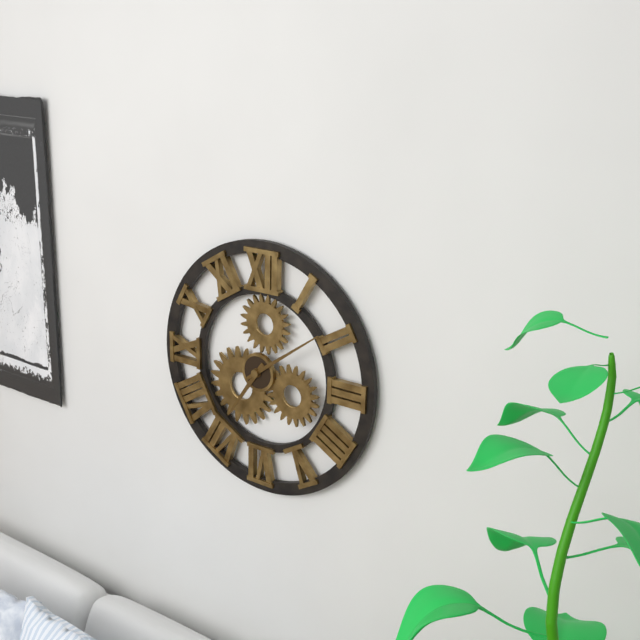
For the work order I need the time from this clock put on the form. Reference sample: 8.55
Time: 7.09
